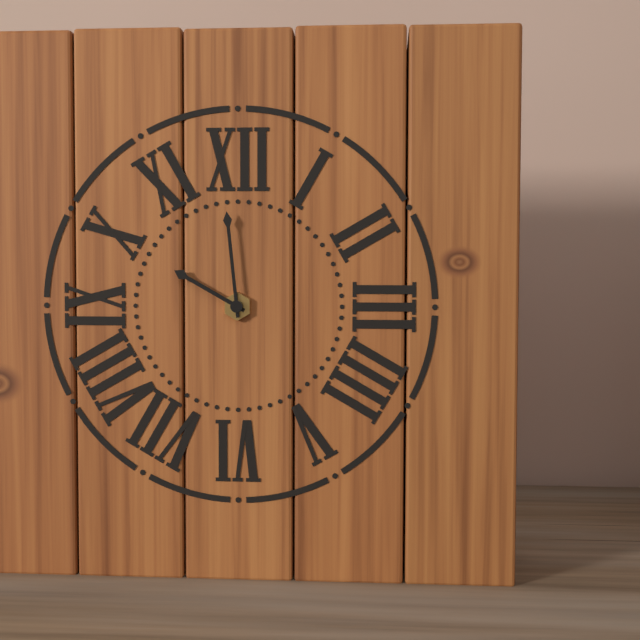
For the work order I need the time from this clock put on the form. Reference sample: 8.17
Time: 9.59
